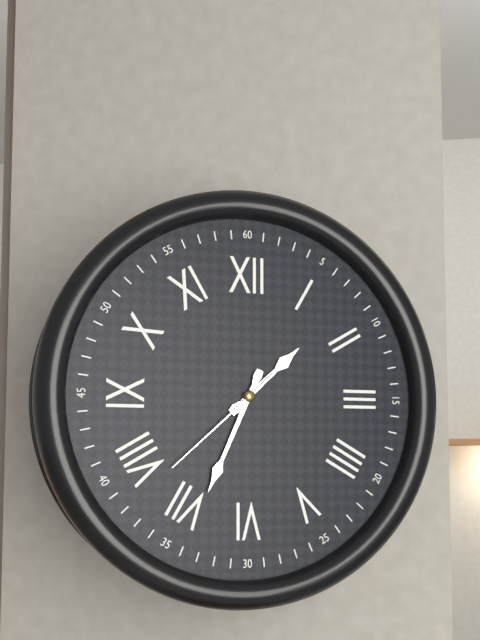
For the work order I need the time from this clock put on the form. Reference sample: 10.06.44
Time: 1.34.38
